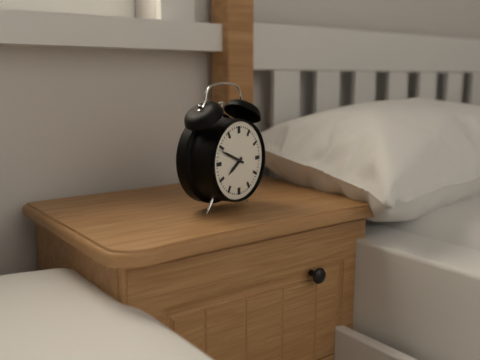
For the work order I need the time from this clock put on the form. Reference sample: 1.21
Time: 7.49
